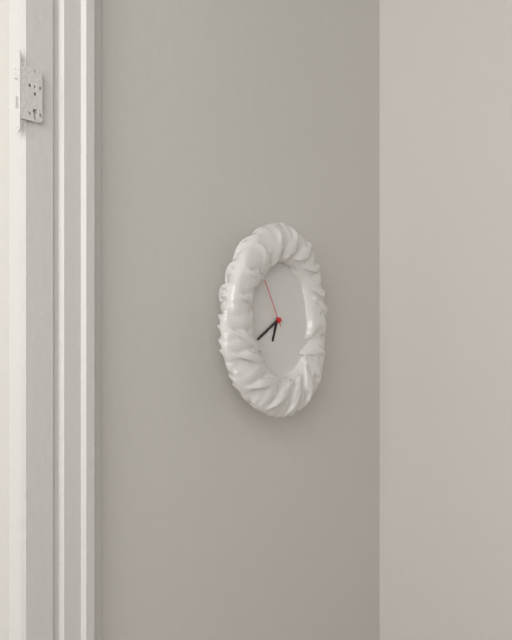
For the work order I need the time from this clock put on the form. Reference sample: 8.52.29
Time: 6.40.55
